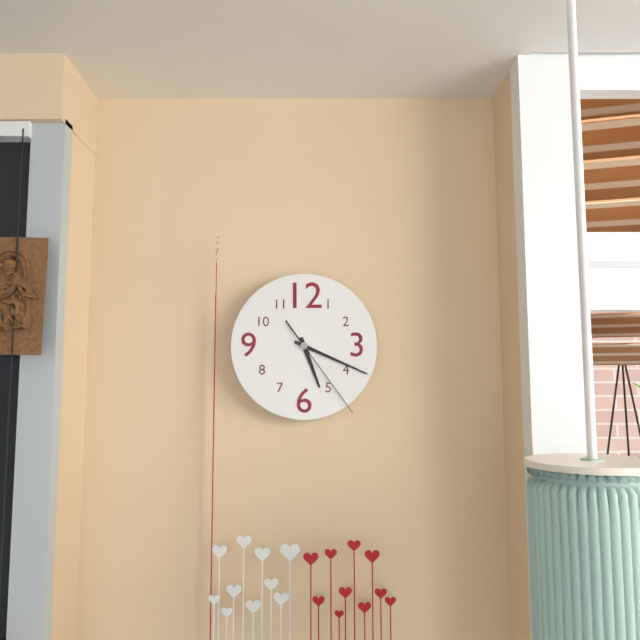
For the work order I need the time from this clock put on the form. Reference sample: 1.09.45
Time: 5.19.24
